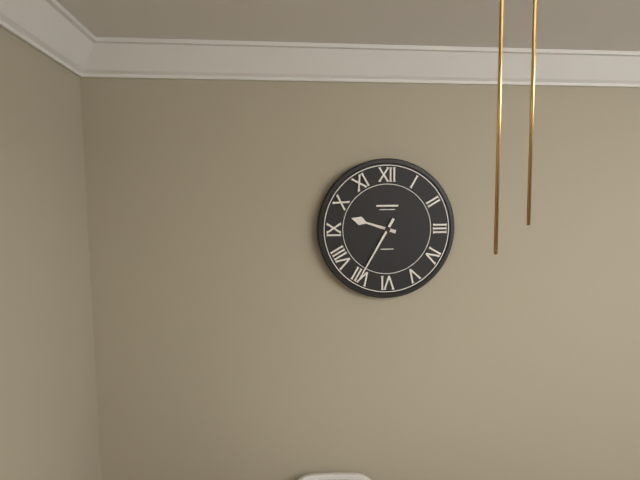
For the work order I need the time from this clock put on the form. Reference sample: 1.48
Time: 9.35
